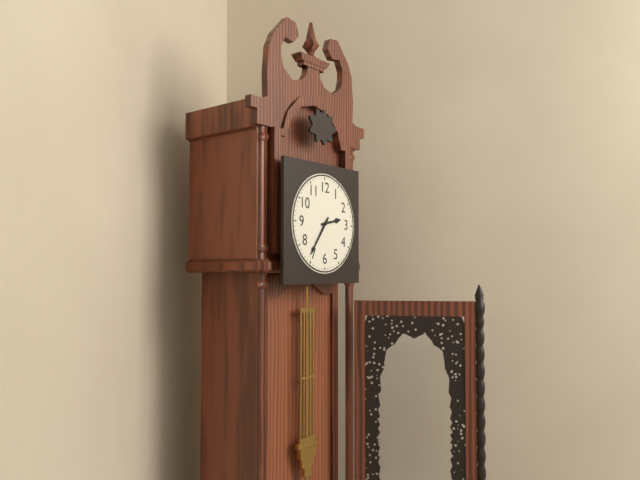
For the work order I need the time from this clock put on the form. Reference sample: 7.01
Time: 2.36
